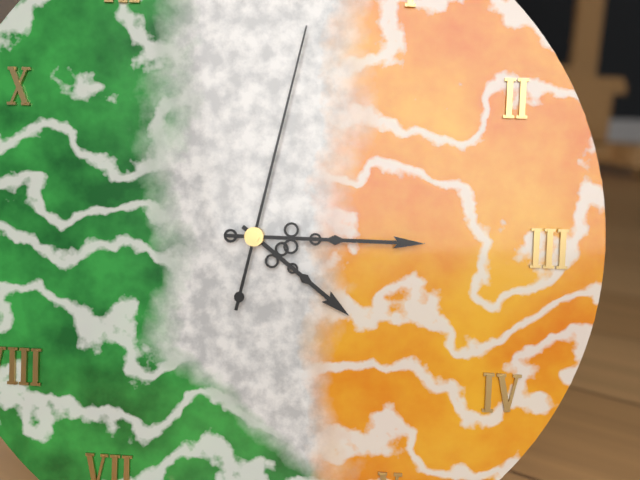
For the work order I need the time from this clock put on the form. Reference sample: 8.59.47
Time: 4.15.02
